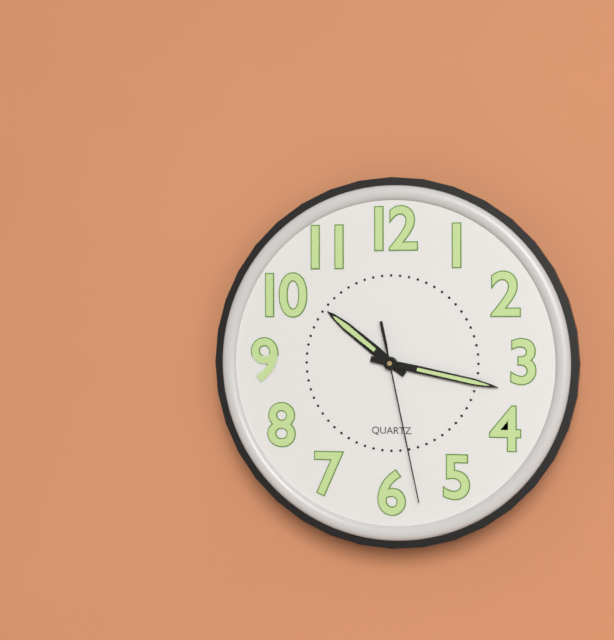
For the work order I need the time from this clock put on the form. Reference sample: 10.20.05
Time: 10.17.28
